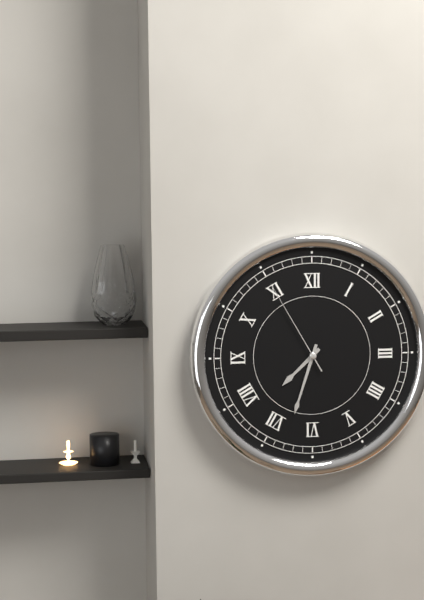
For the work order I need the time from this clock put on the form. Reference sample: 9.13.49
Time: 7.33.55
